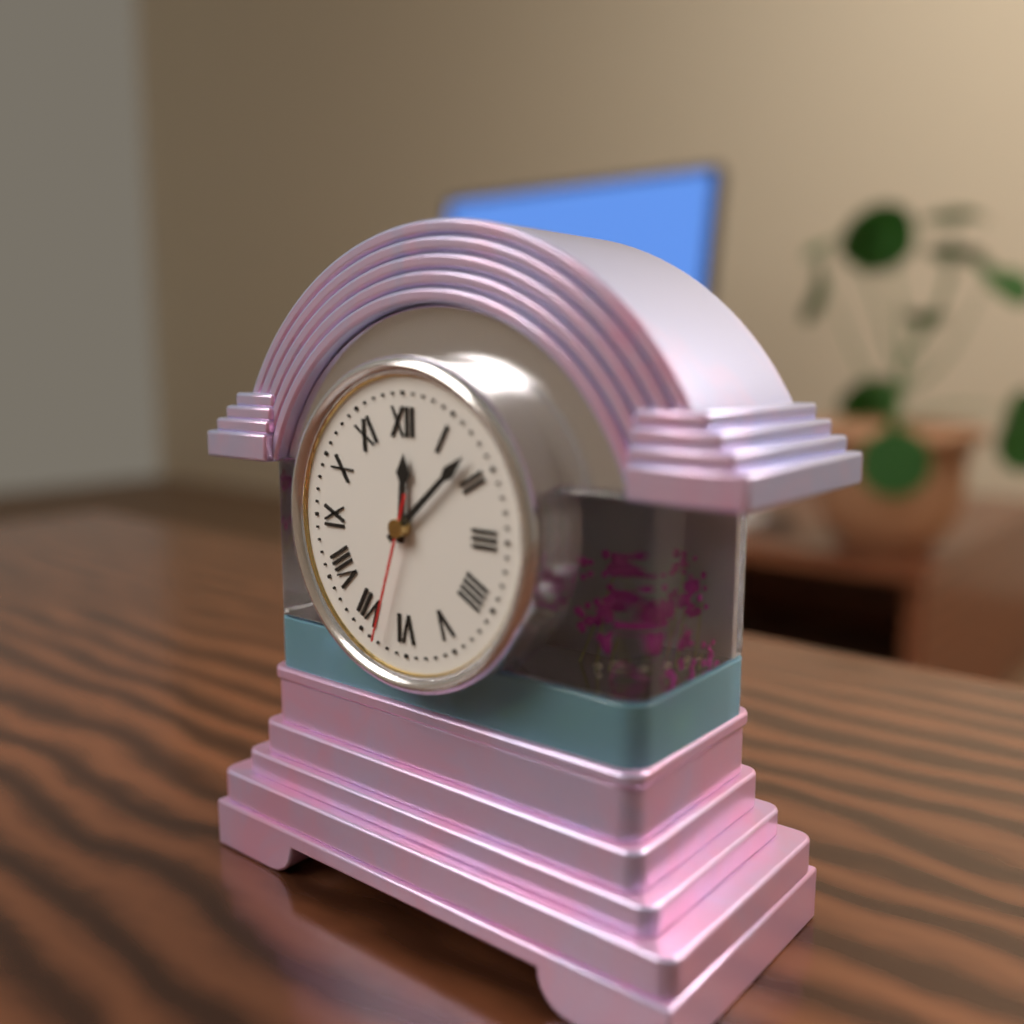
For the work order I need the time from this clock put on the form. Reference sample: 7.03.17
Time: 12.08.33
